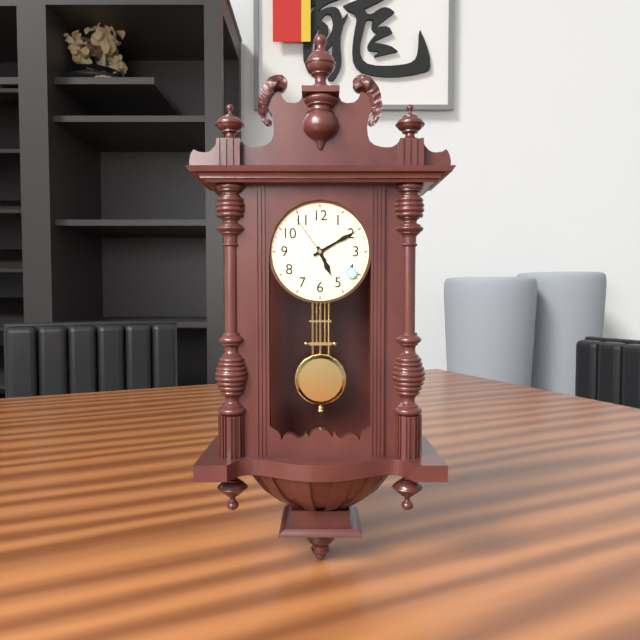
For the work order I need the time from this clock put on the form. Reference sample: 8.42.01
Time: 5.10.54
